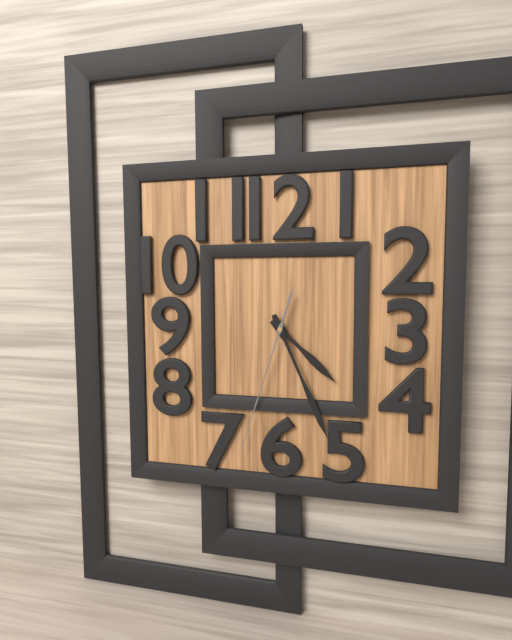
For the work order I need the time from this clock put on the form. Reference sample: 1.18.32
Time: 4.26.33
